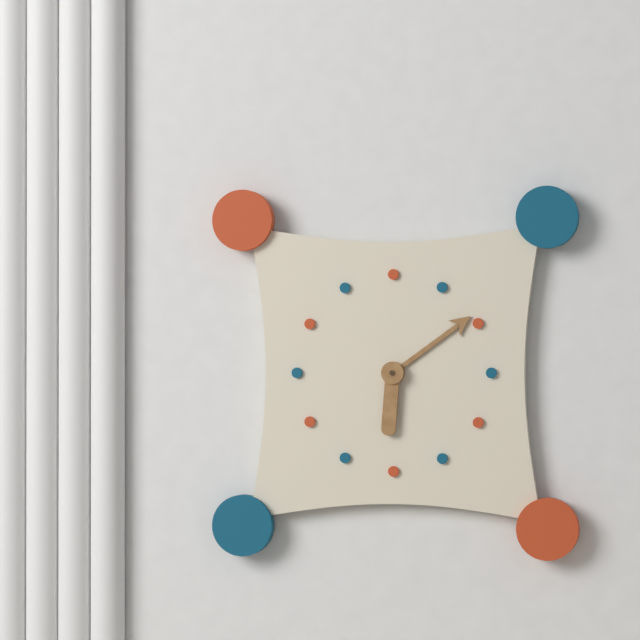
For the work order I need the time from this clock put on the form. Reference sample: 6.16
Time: 6.09
